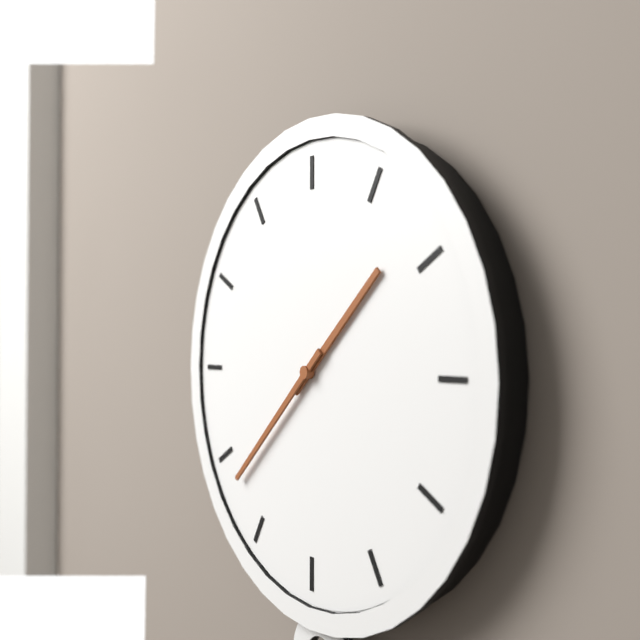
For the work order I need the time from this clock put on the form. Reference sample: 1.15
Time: 1.38
